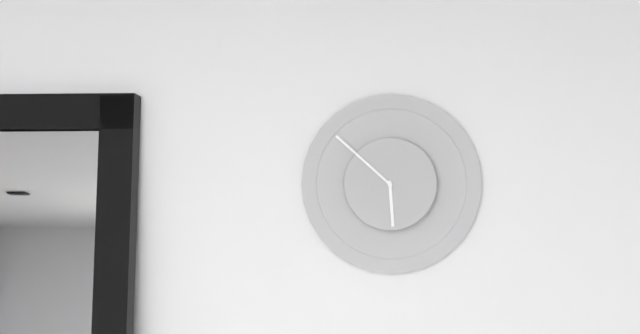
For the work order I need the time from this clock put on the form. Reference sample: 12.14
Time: 5.52
